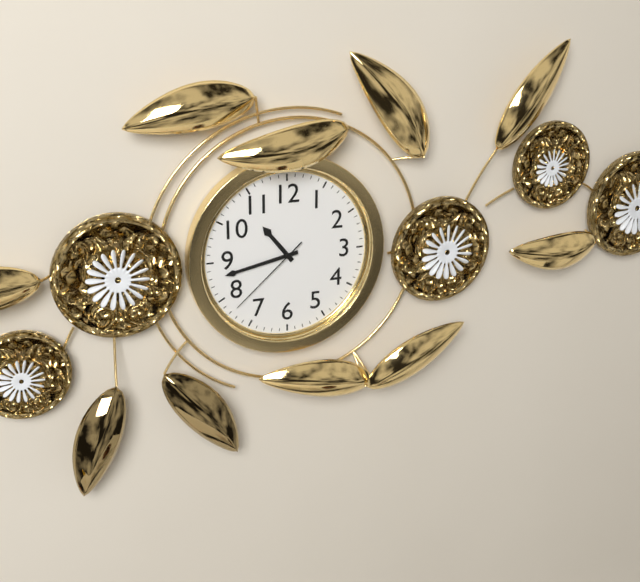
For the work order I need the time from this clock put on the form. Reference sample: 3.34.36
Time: 10.43.38
